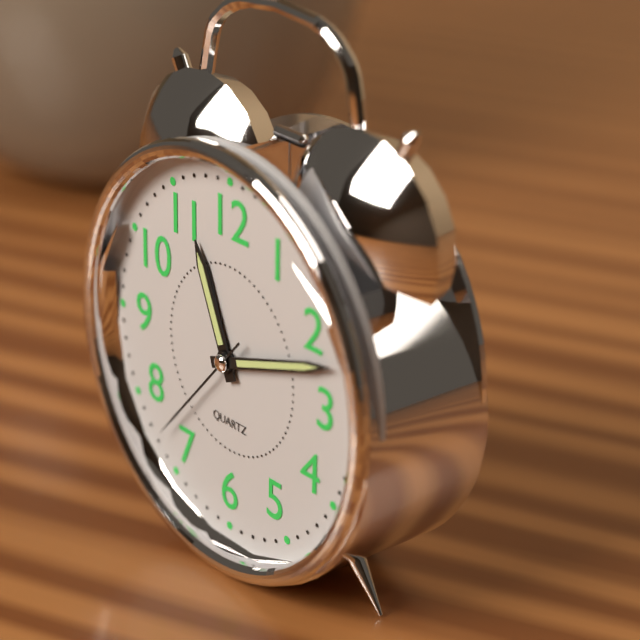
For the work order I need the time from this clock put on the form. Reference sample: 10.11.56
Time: 11.12.37
